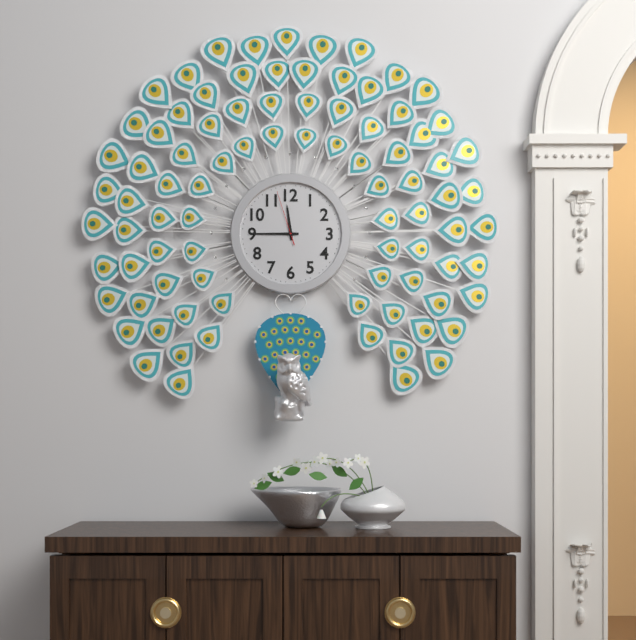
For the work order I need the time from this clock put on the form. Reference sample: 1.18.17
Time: 11.45.57
